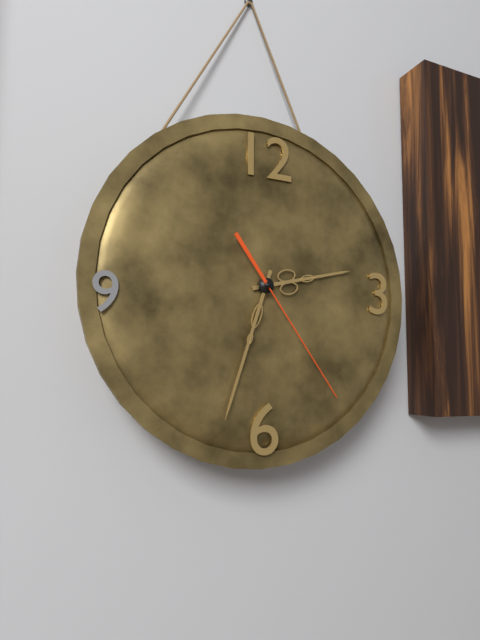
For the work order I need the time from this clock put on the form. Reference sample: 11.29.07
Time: 2.33.24
